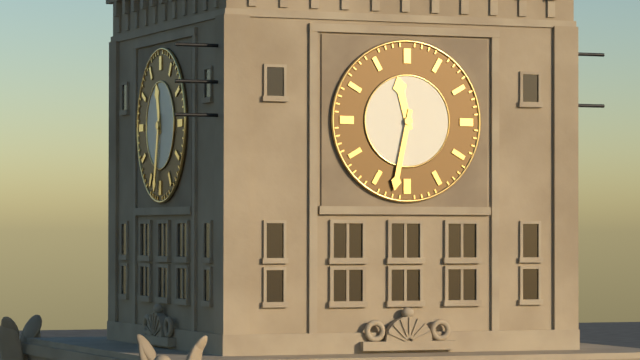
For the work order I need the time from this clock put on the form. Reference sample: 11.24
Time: 11.32
